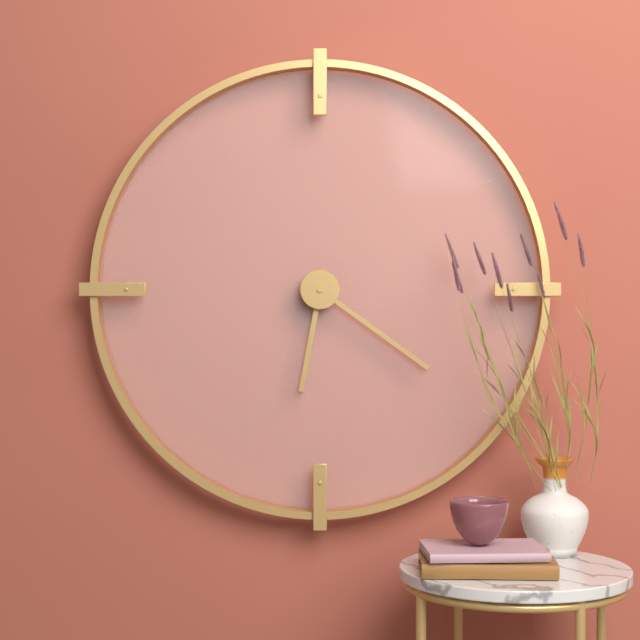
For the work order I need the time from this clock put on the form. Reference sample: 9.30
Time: 6.21
